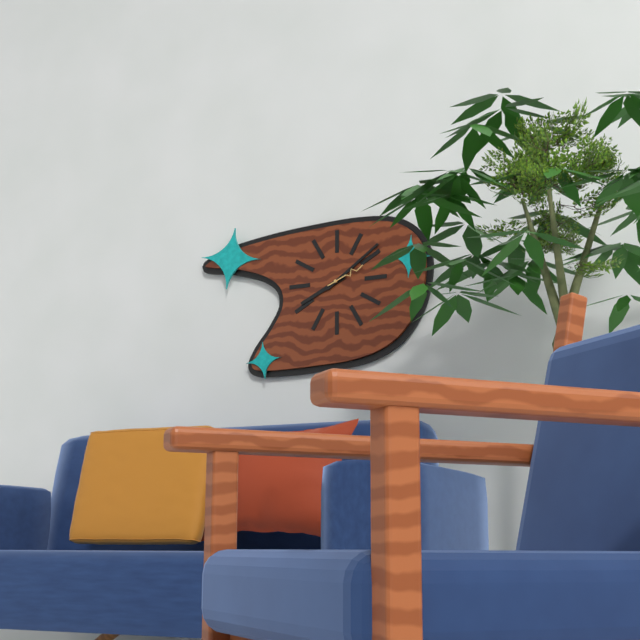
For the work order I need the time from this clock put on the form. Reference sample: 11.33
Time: 8.09
